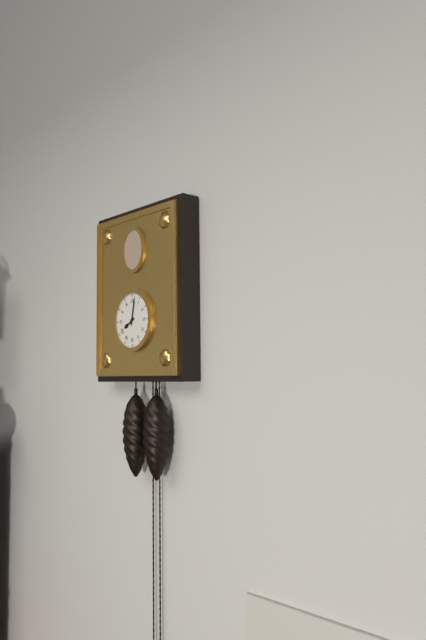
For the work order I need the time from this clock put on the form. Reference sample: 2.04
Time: 8.02
